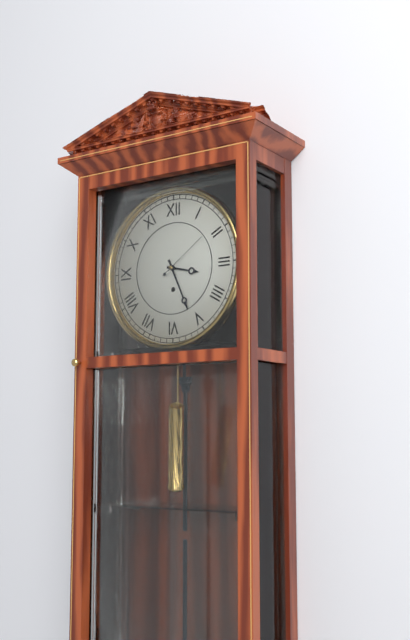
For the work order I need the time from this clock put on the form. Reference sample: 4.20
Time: 3.26
